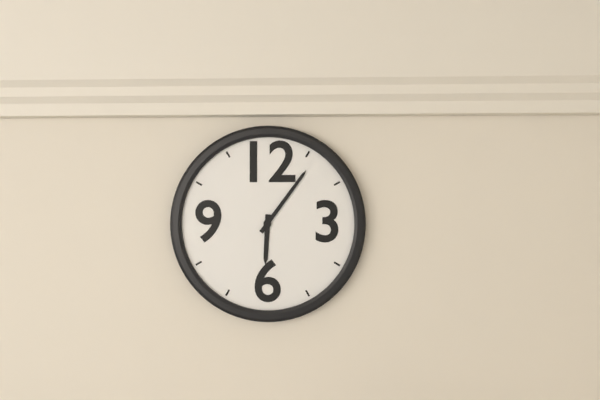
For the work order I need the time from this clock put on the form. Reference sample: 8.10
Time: 6.06
